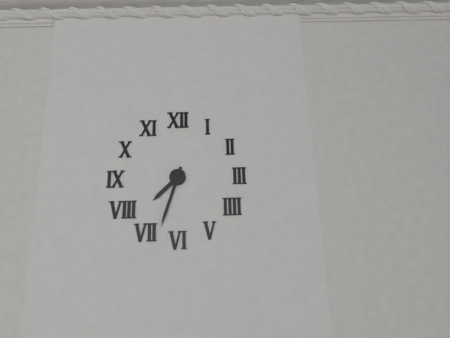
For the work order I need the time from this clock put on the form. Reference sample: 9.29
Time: 7.33
